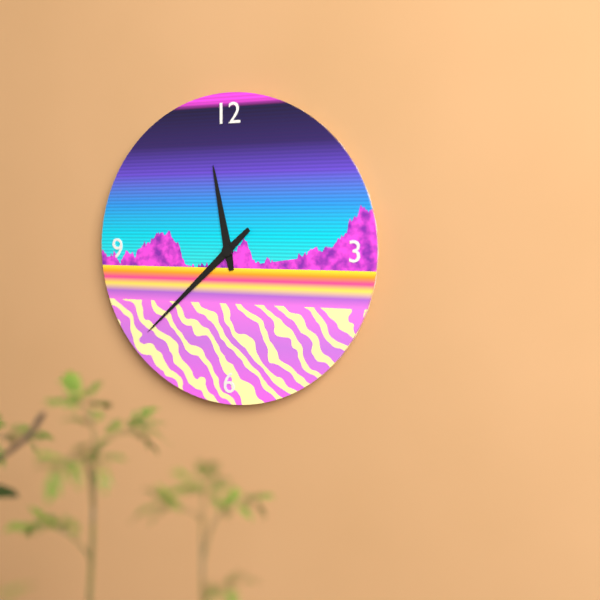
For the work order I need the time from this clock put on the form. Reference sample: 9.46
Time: 11.38
